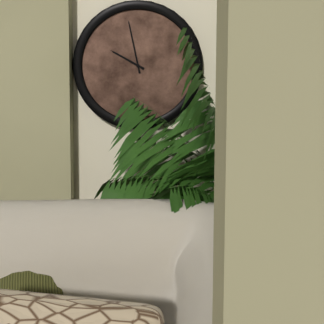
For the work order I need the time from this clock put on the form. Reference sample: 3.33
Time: 9.58
